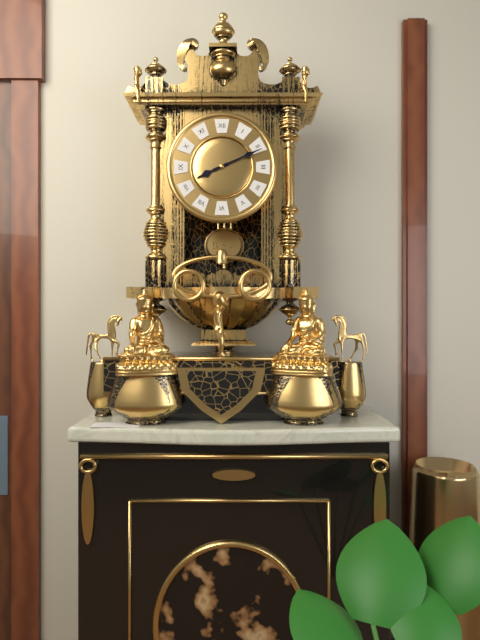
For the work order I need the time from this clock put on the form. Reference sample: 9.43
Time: 8.11
